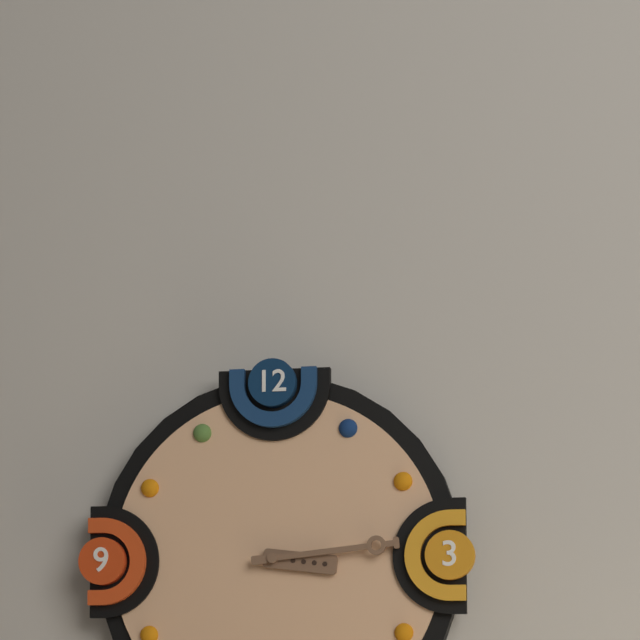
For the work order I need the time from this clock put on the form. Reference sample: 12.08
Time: 3.14
